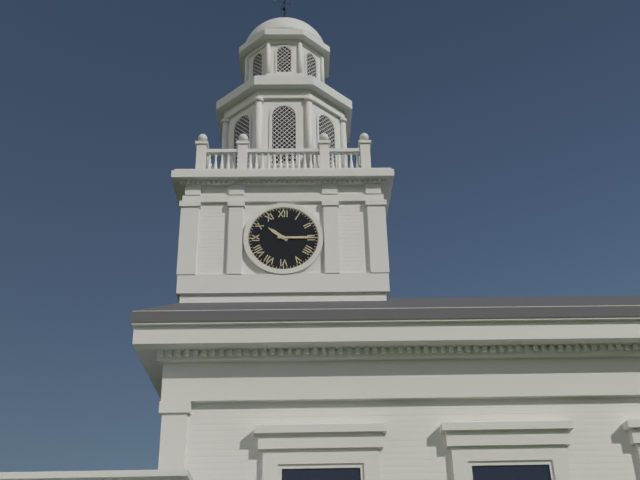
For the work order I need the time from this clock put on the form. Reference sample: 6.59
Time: 10.15
